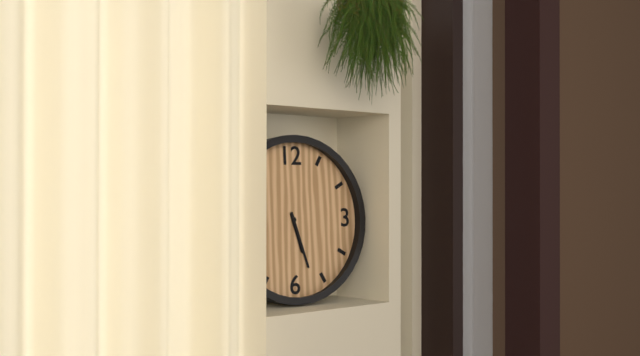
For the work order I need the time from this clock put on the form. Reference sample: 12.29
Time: 5.27
